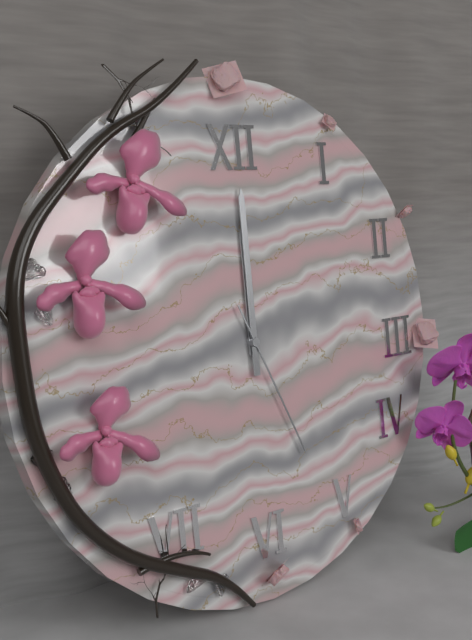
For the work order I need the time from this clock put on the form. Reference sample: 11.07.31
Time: 12.00.26
